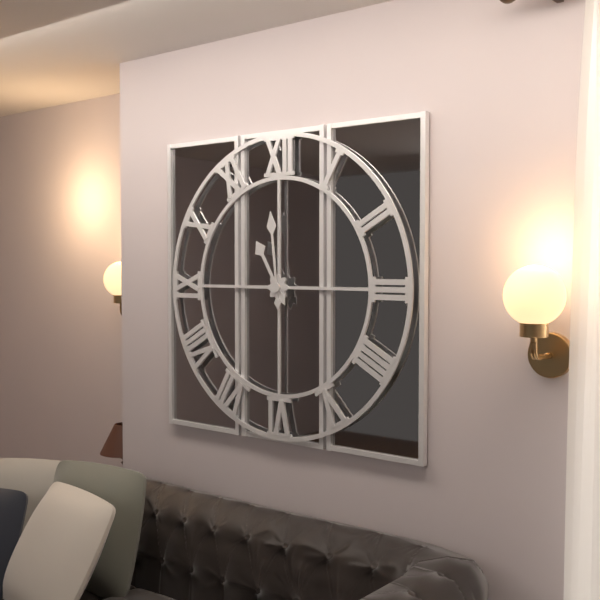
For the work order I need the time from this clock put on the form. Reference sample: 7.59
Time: 10.59
